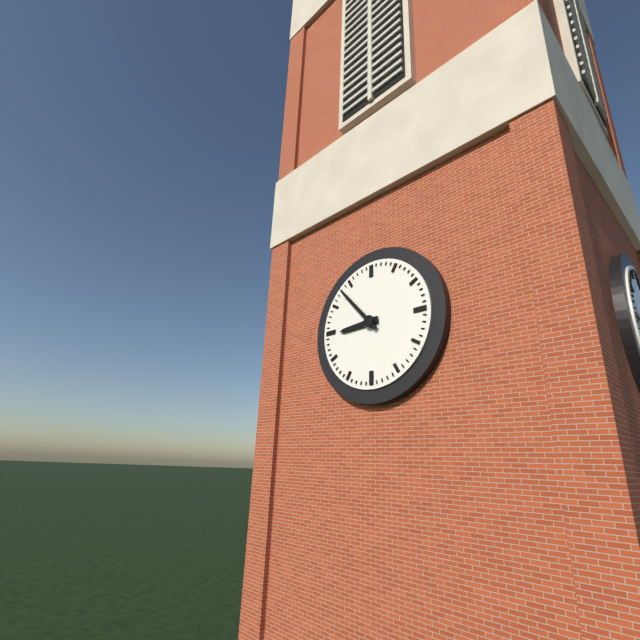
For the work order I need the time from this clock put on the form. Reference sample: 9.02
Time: 8.53
